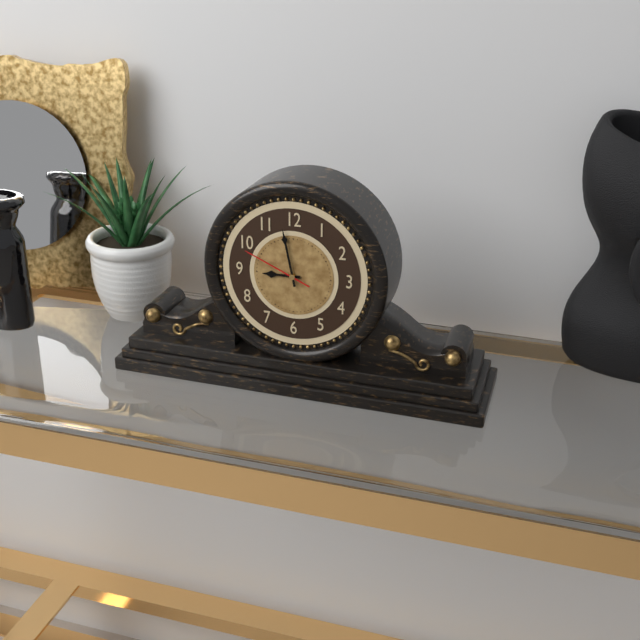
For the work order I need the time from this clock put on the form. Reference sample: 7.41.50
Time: 8.58.49
